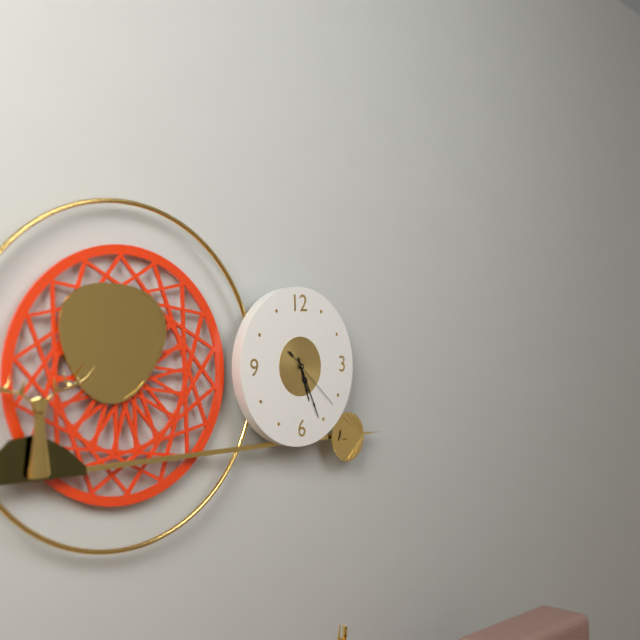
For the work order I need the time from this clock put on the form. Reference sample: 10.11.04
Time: 5.26.22
